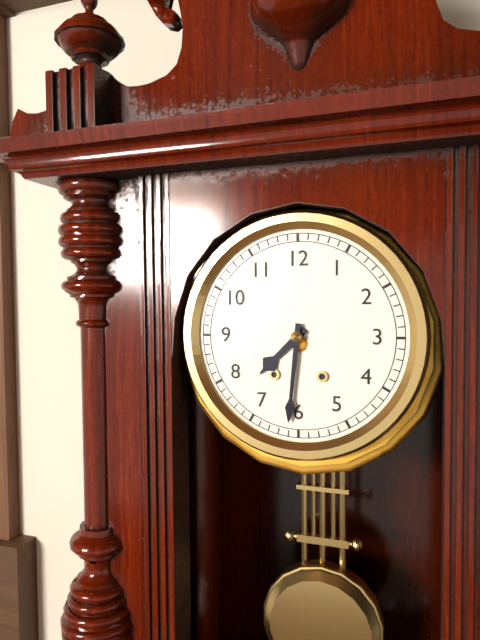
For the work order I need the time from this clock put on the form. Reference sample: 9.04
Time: 7.31
